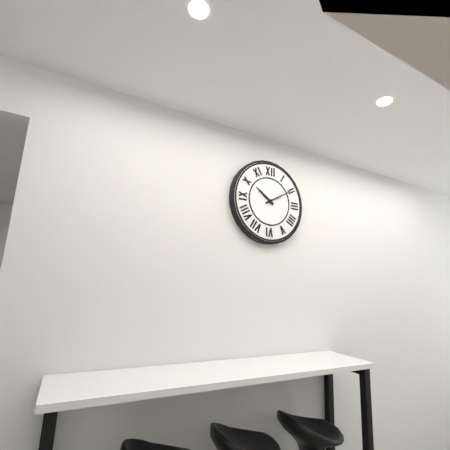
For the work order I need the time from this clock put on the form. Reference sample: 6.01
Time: 10.10
